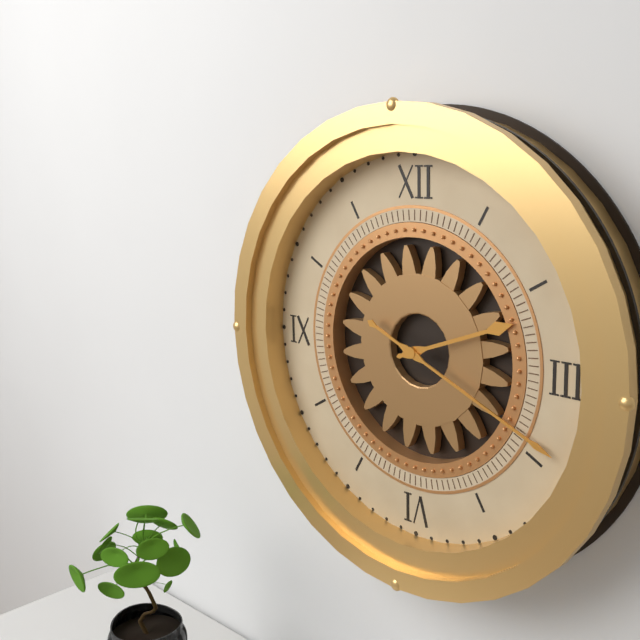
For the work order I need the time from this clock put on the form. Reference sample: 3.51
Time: 2.19
